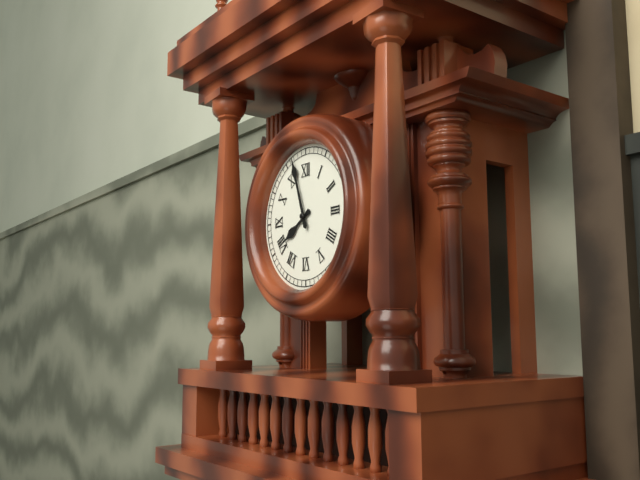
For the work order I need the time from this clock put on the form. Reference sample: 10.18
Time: 7.57
